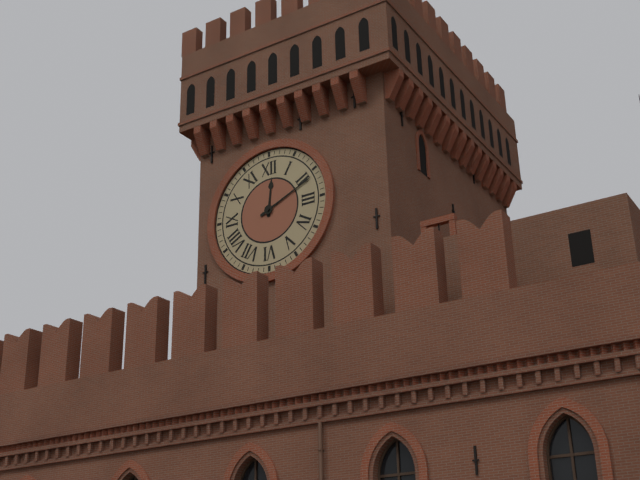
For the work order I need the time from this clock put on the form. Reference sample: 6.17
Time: 12.11
